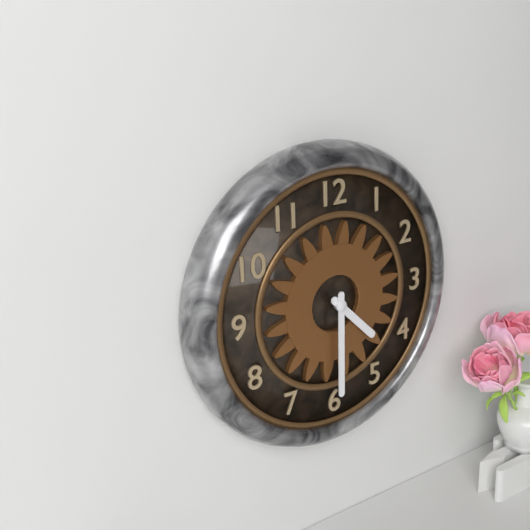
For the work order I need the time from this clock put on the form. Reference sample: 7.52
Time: 4.30
